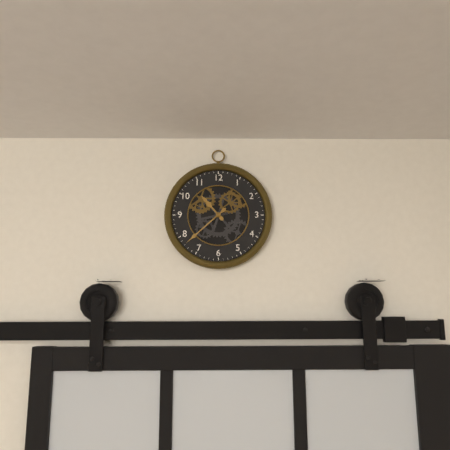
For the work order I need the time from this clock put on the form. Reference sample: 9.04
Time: 10.38
